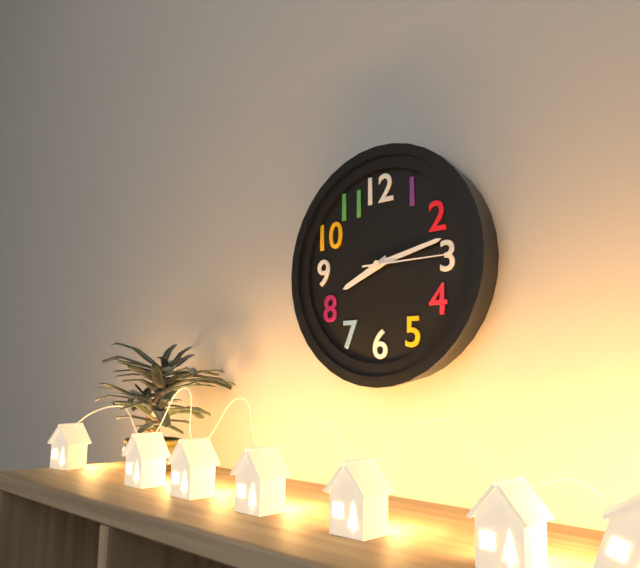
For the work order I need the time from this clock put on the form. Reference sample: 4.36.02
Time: 8.13.15
